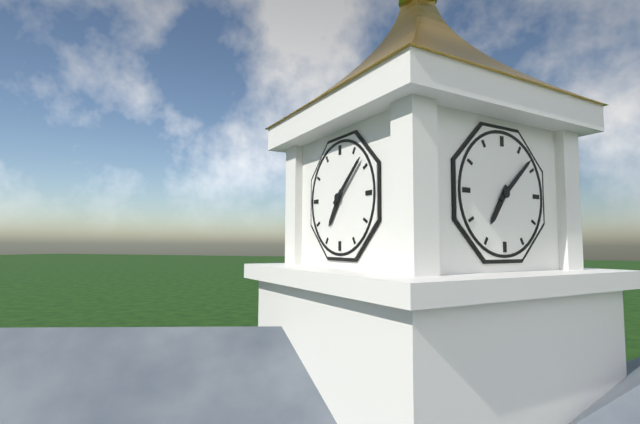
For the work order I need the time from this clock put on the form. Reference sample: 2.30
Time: 7.08
